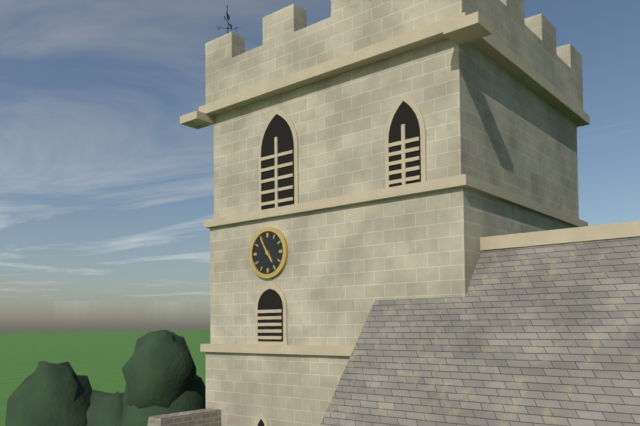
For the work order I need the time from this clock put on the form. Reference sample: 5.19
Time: 4.55
